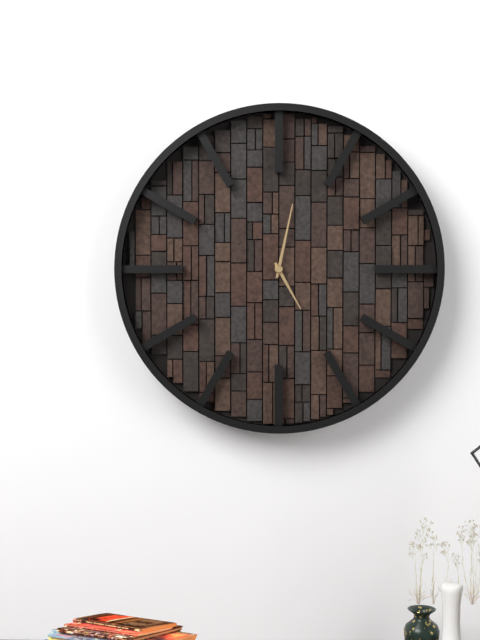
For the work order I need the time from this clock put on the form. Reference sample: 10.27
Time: 5.02
